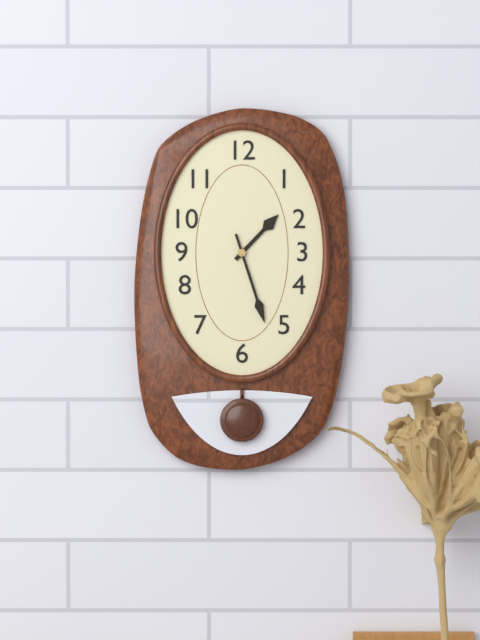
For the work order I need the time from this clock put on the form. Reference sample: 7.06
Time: 1.27
